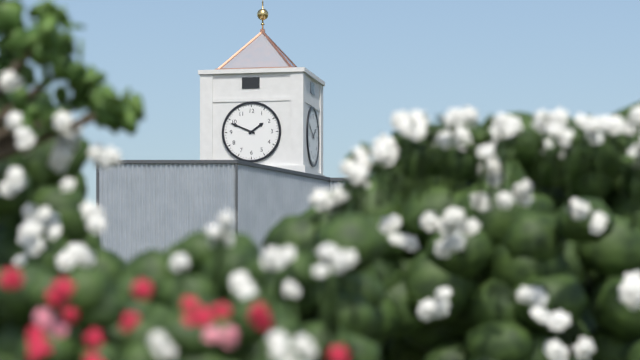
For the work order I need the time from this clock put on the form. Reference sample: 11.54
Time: 1.49
